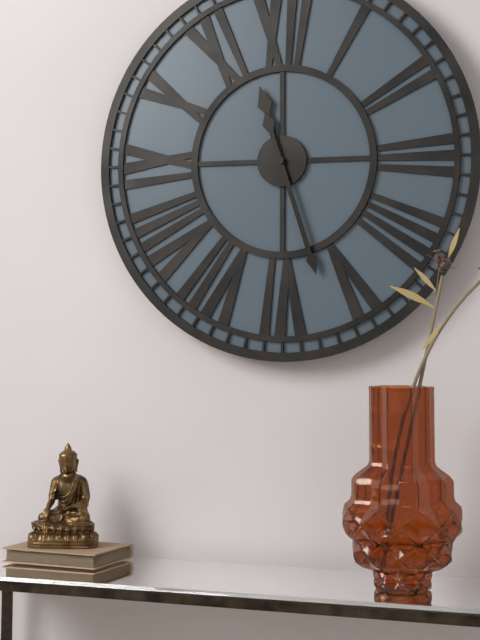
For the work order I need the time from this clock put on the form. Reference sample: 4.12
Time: 11.27
